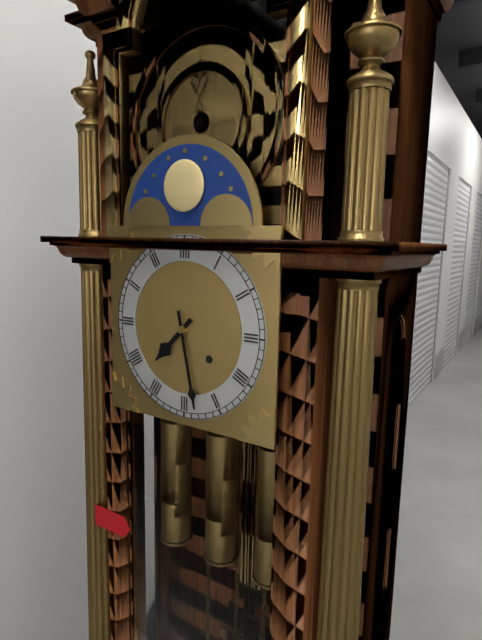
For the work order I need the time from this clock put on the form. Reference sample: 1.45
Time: 7.28
